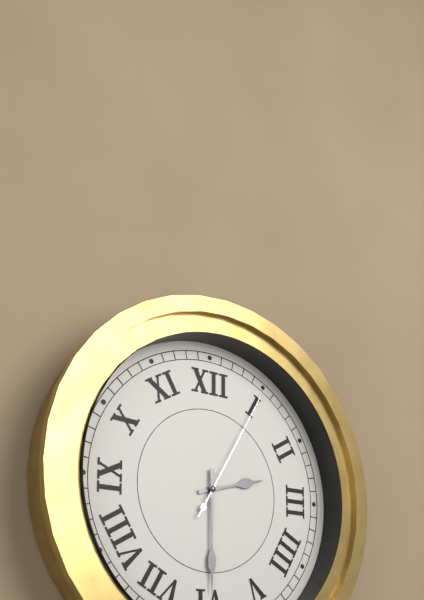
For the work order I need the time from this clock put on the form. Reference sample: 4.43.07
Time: 2.30.05
